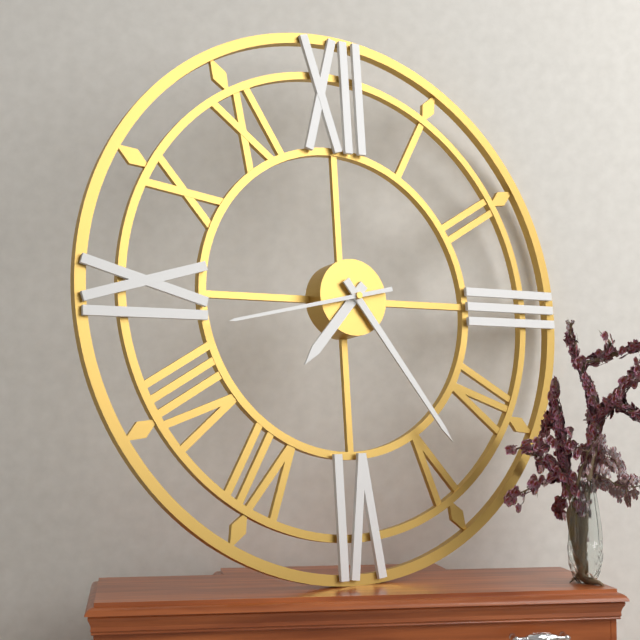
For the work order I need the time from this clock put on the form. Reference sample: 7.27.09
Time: 7.24.43
